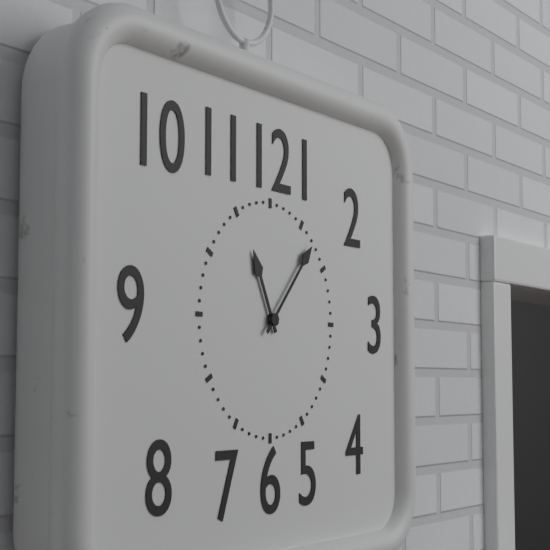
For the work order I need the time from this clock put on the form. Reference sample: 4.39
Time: 11.07
